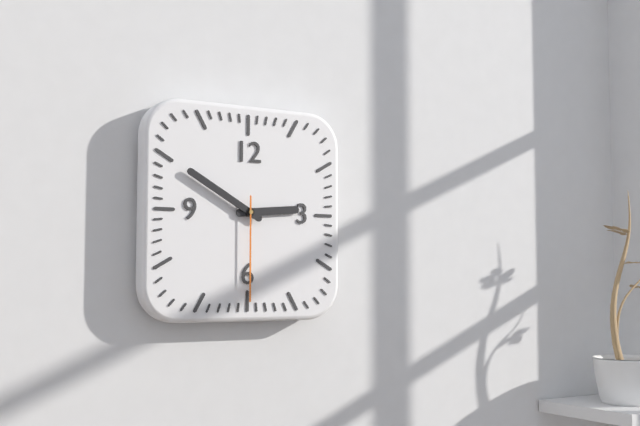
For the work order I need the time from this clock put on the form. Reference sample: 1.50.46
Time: 2.50.30
